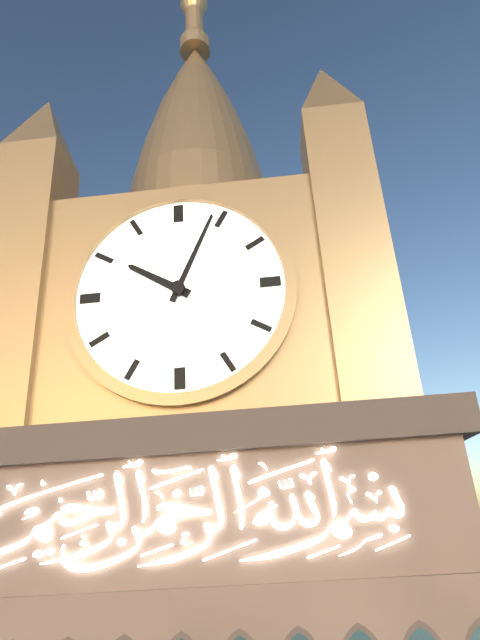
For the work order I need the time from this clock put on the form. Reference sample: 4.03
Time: 10.04
